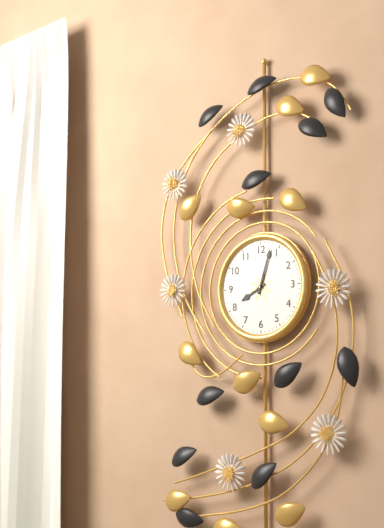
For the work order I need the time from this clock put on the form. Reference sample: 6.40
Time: 8.03
